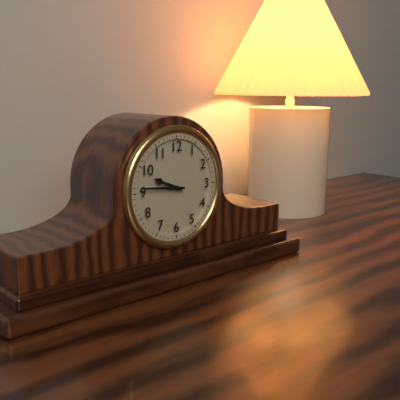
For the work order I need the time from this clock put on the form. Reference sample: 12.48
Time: 9.46
